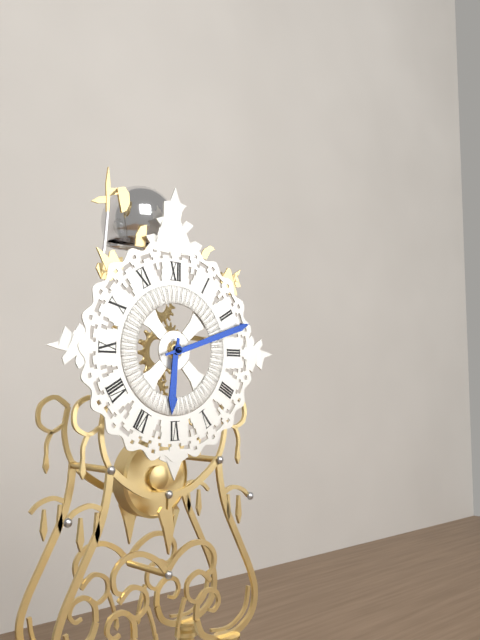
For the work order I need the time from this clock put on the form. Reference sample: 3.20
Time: 6.12
